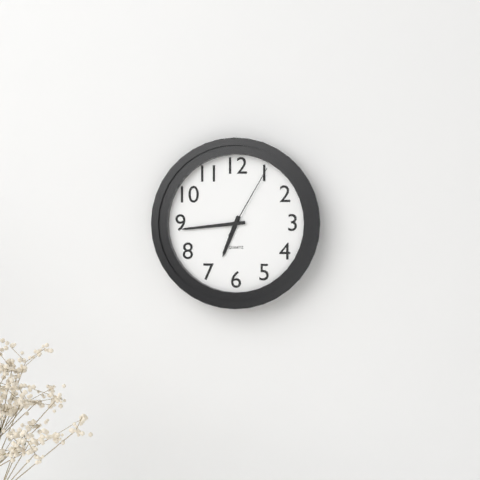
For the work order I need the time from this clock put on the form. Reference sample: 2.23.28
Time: 6.44.05
